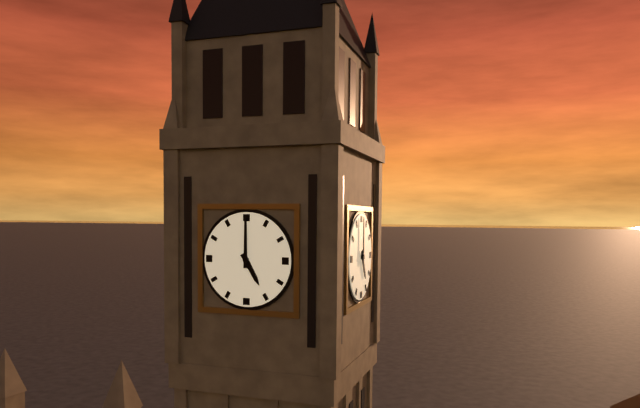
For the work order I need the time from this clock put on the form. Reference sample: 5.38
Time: 5.00
